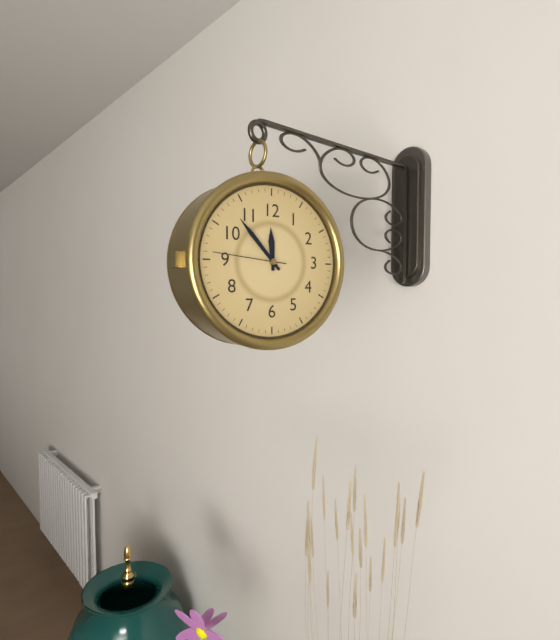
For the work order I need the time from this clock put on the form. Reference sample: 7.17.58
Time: 11.53.46
